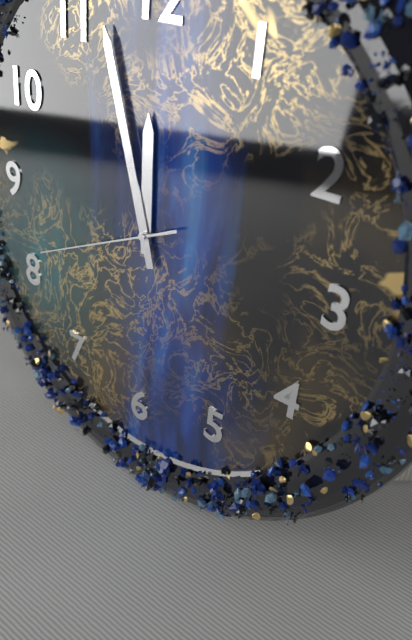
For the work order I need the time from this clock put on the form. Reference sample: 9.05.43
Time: 11.57.41
